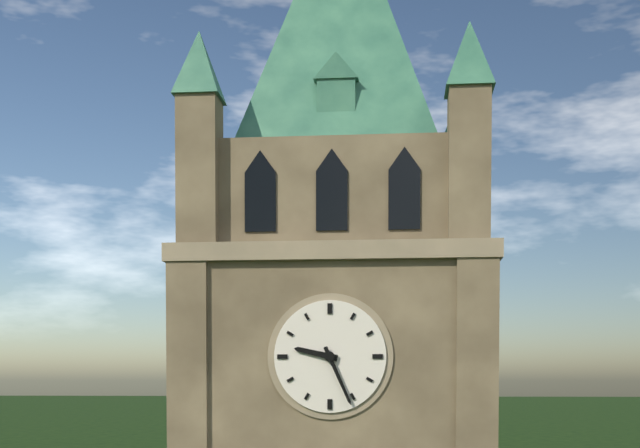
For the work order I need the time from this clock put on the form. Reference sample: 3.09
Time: 9.26
